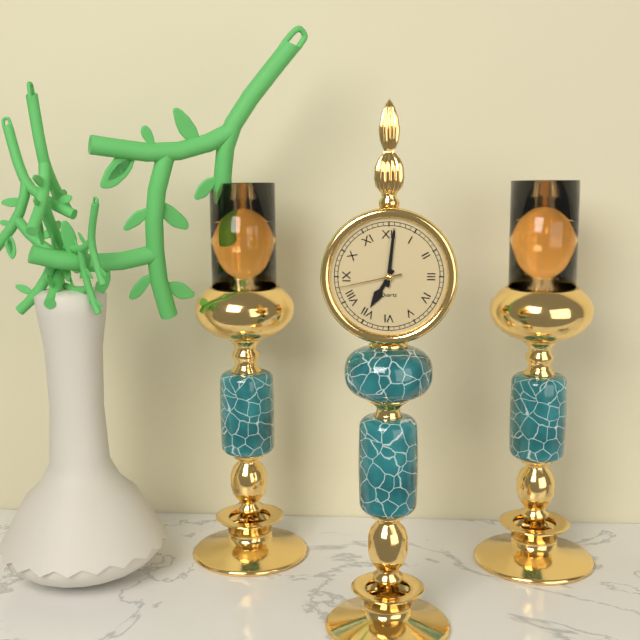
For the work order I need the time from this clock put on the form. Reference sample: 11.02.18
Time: 7.01.43
